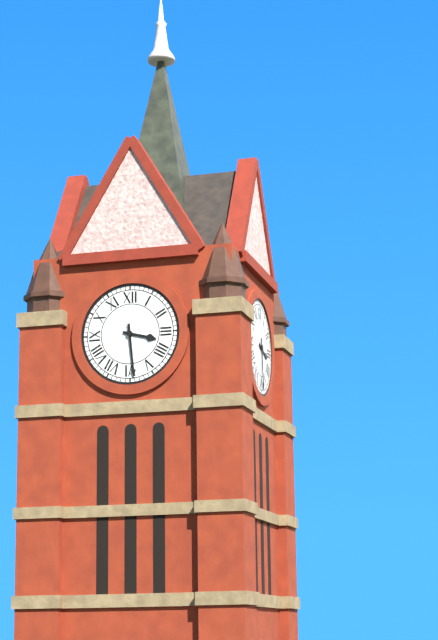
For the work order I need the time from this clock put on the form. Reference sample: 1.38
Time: 3.29
